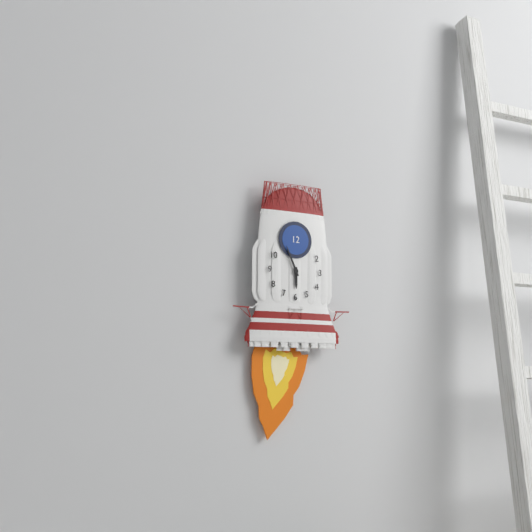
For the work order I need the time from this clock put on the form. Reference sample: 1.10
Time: 5.56
